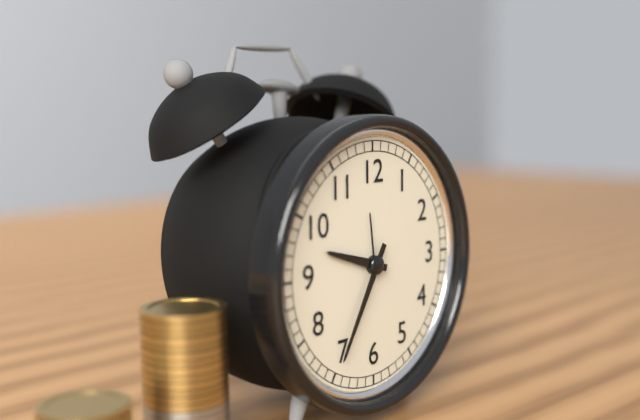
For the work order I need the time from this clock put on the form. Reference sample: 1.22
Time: 9.35
